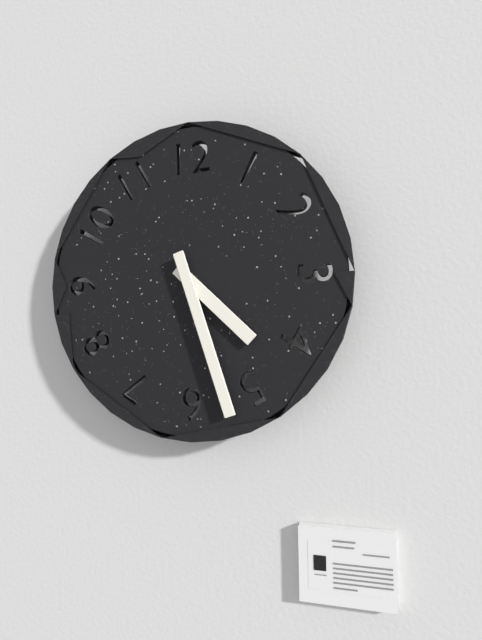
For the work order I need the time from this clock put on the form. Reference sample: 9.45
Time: 4.27
